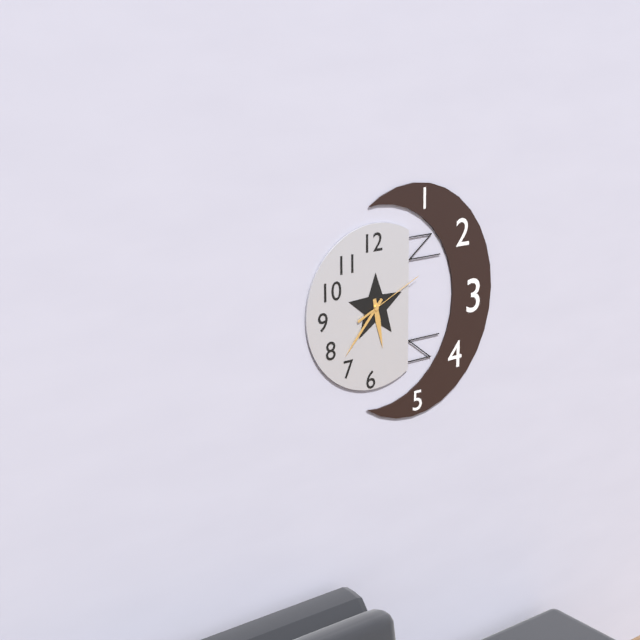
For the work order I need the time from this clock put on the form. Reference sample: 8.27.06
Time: 5.37.11
